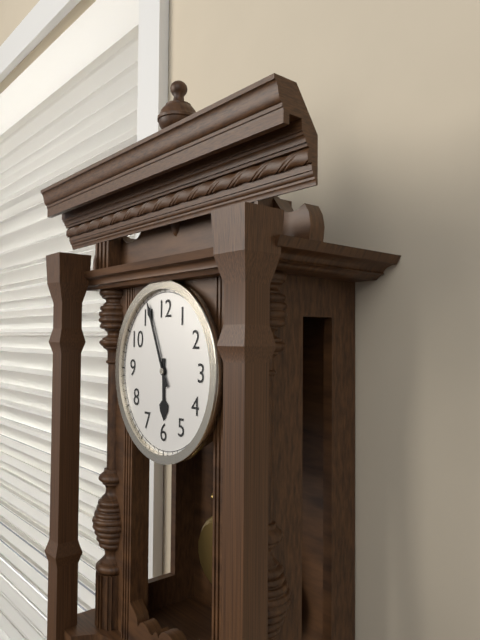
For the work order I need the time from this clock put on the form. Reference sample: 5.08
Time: 5.56
